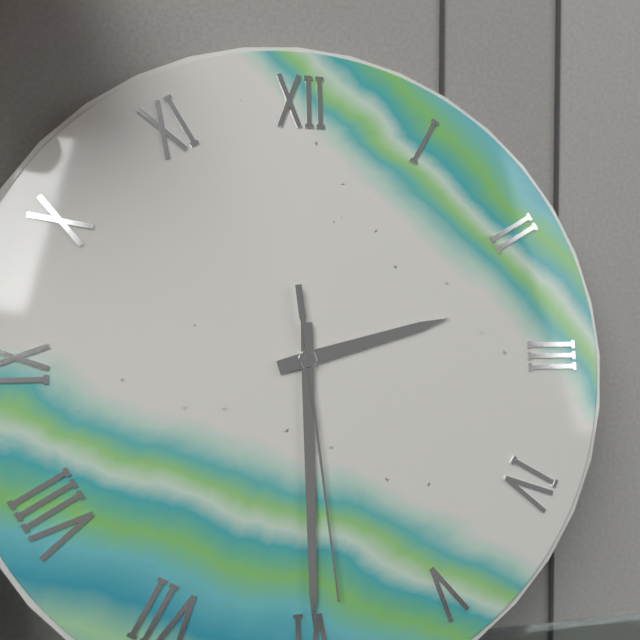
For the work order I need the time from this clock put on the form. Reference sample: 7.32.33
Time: 2.30.29
